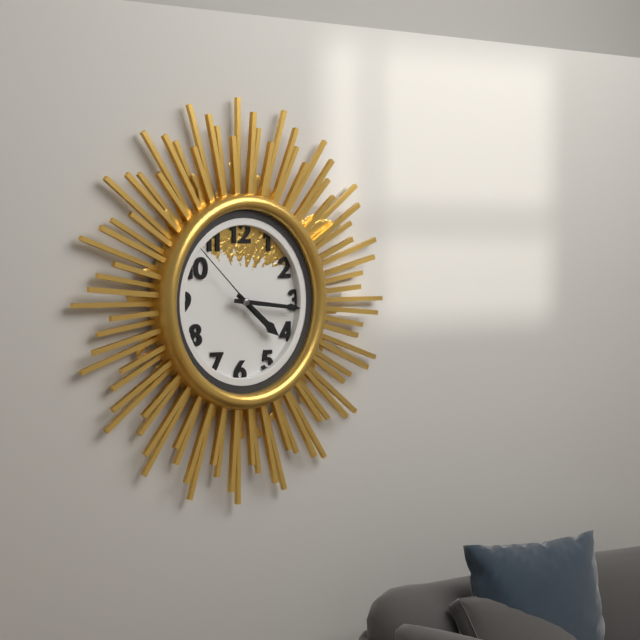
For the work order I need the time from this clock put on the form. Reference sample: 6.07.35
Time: 4.16.52
